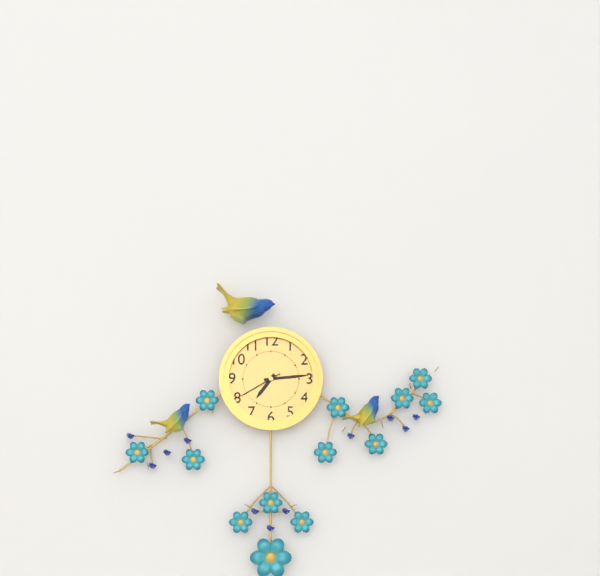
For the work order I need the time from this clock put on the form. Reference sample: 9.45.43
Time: 7.14.40
